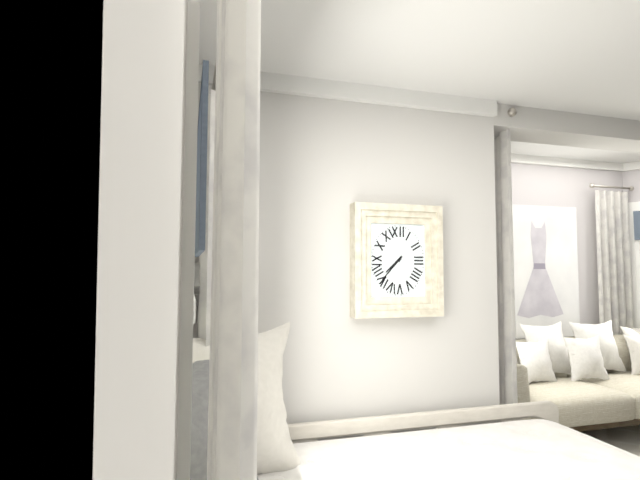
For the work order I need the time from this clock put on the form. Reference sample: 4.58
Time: 7.37
